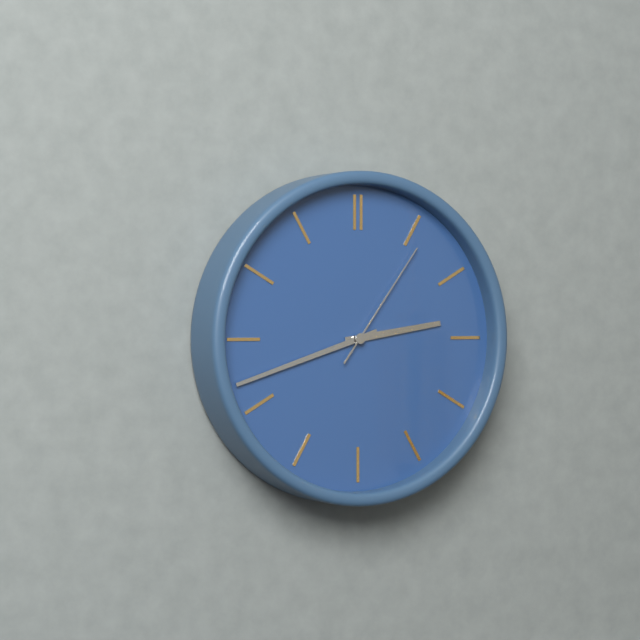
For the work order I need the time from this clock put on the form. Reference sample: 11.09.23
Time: 2.42.06
